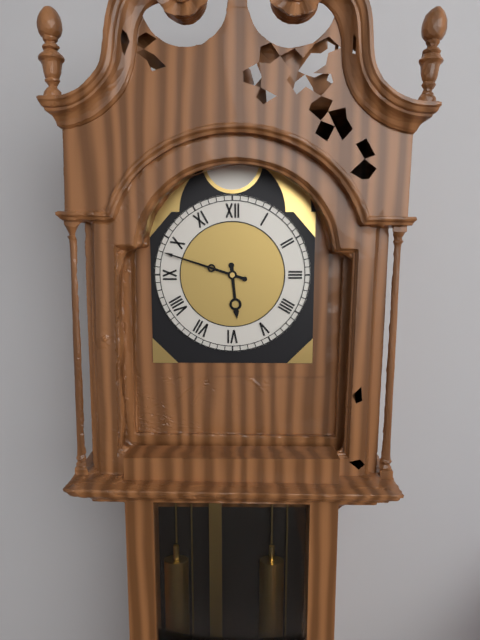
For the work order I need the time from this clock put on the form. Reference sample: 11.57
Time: 5.48
